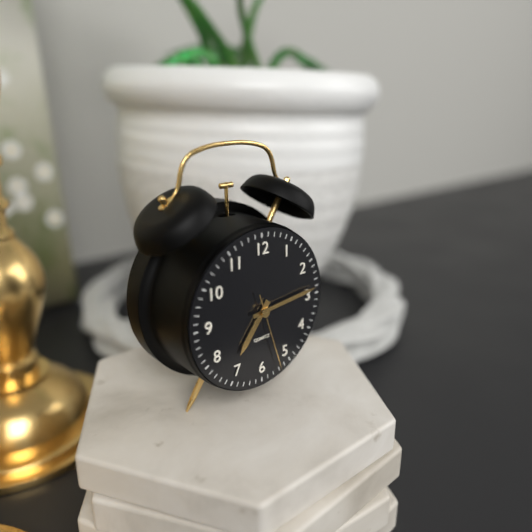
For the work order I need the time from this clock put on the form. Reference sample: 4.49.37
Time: 7.14.27
